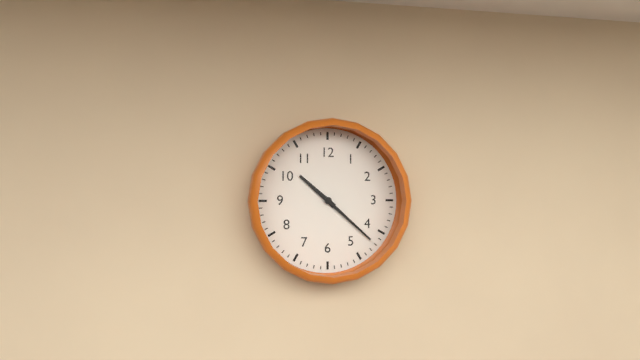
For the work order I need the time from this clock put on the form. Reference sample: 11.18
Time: 10.22
